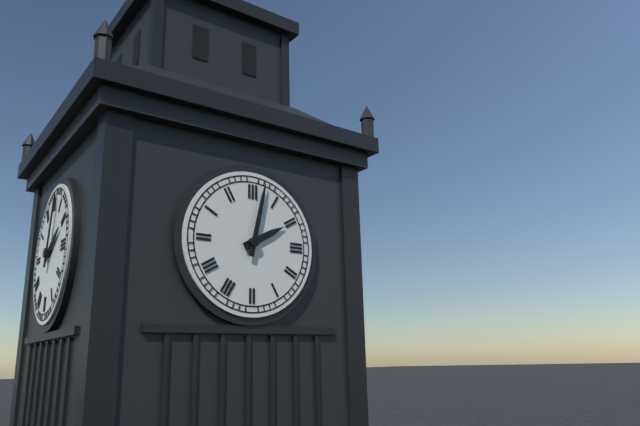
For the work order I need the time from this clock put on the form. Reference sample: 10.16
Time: 2.02
